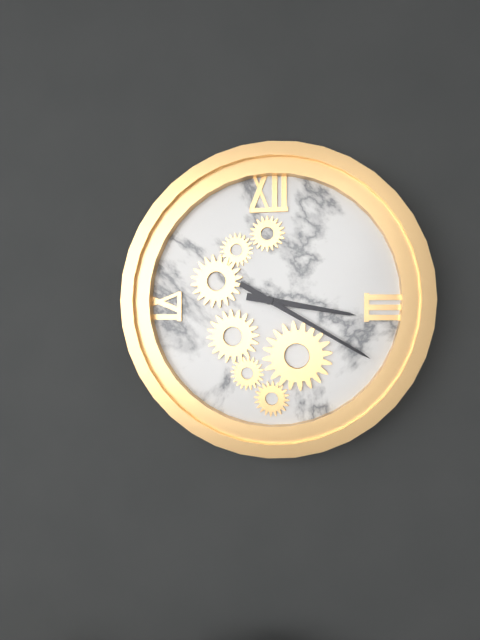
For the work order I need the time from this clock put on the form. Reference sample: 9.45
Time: 3.20
